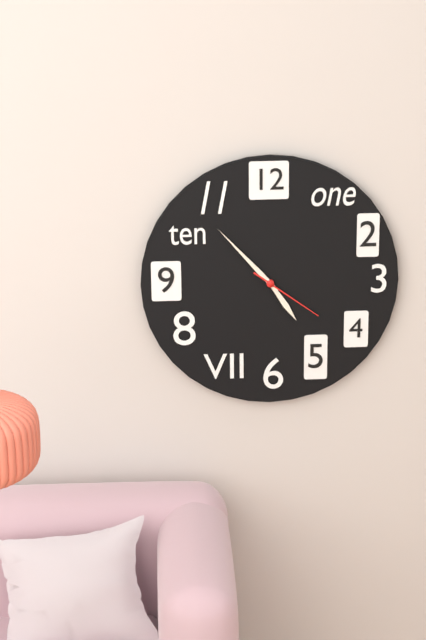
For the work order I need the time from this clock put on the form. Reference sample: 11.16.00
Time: 4.53.21
